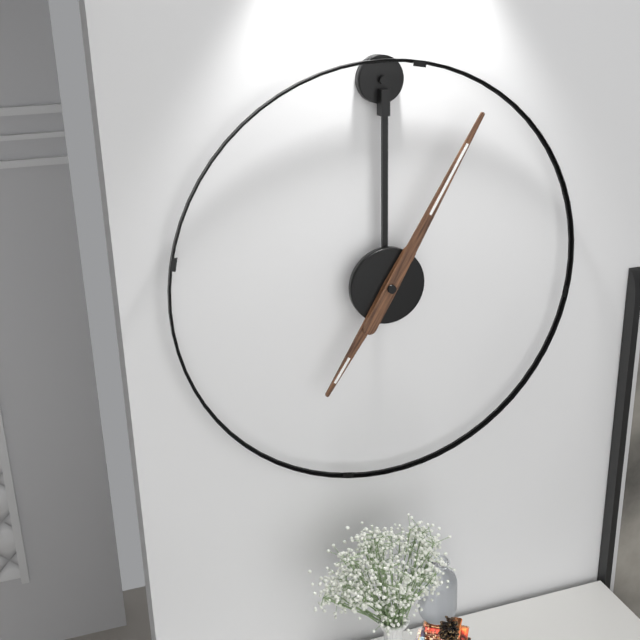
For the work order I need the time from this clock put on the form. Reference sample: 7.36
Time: 7.05
